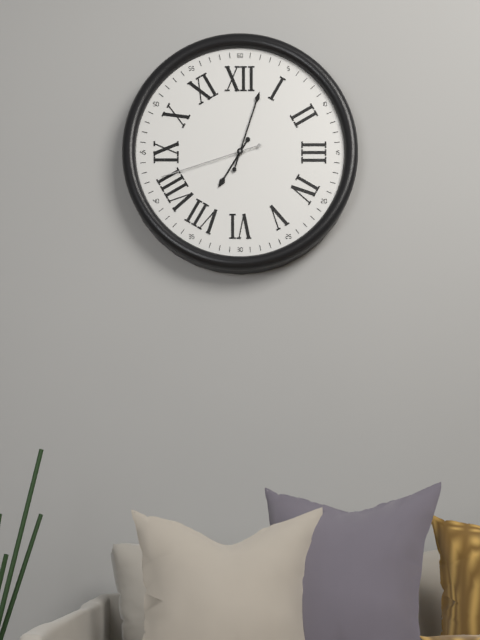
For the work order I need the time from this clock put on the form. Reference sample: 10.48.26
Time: 7.03.42
